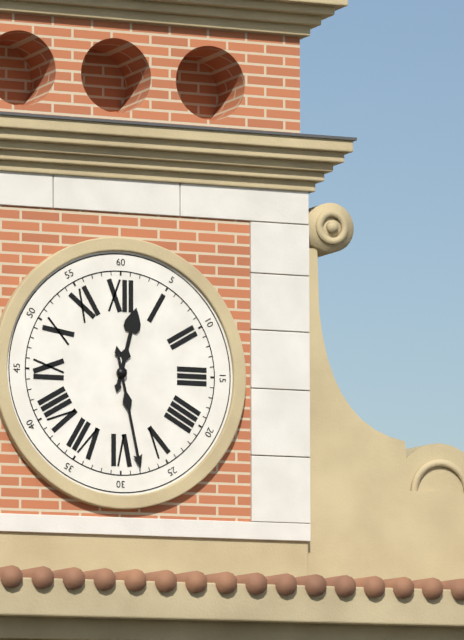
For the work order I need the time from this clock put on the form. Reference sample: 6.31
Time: 12.28
